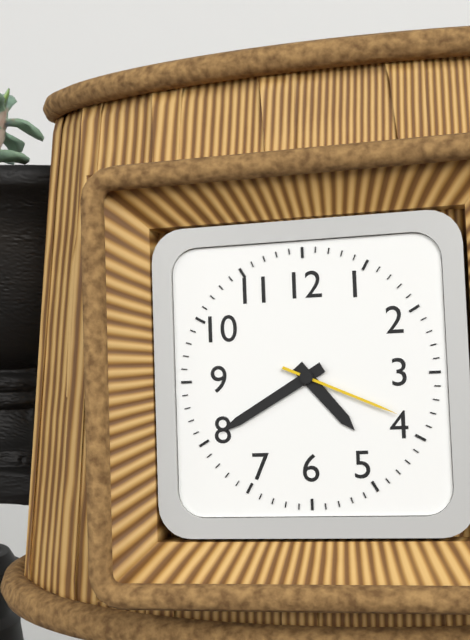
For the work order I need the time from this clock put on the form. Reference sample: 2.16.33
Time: 4.40.19
